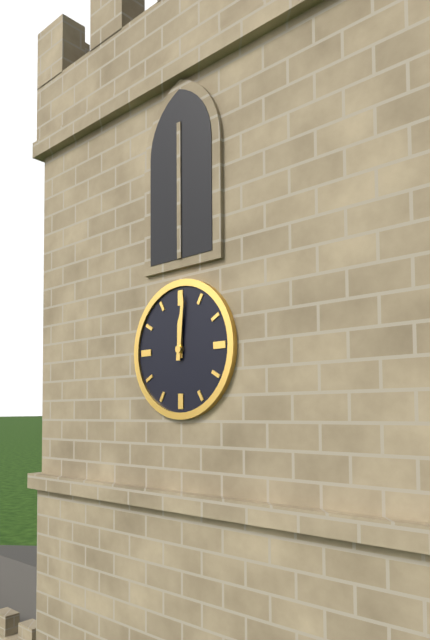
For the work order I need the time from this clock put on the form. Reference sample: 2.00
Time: 12.01
